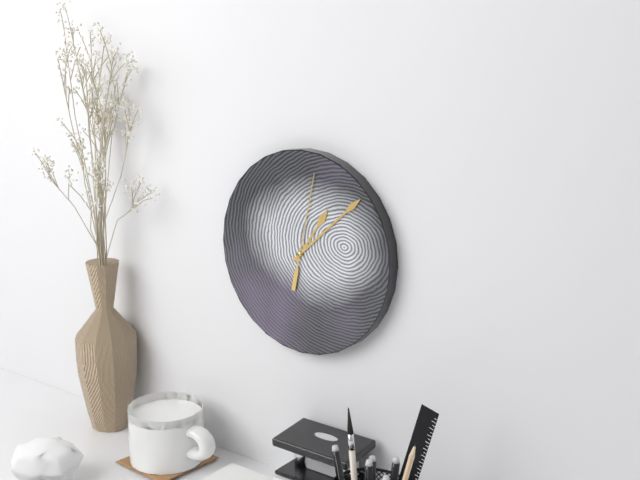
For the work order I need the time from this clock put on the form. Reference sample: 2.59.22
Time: 1.08.02
